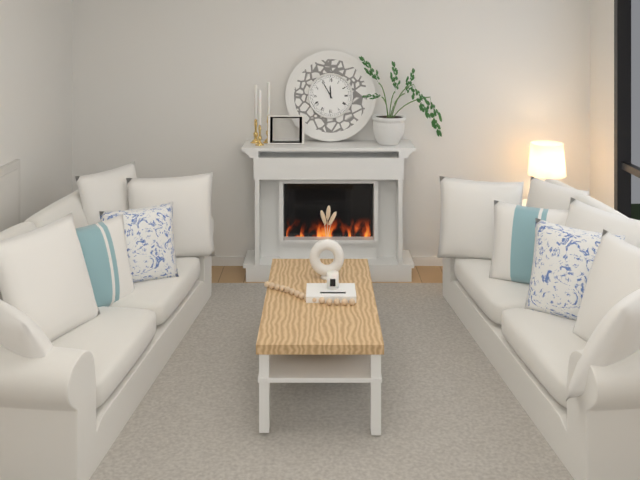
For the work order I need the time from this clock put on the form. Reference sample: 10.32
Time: 11.55
